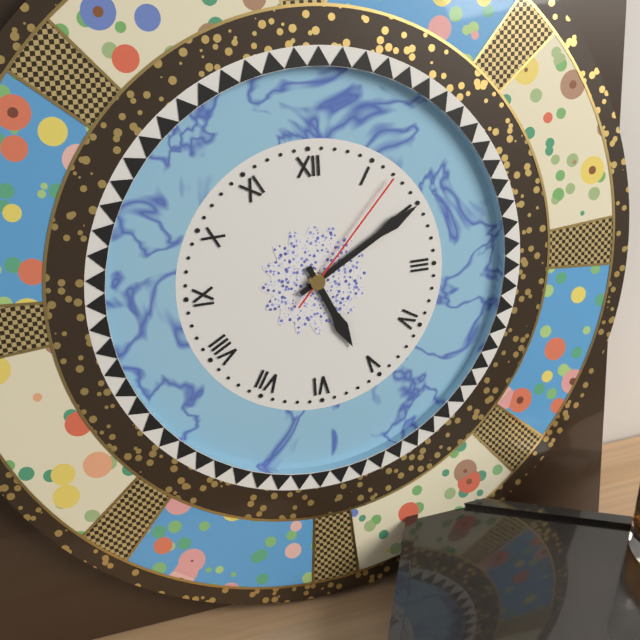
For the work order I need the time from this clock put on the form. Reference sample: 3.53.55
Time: 5.10.07
